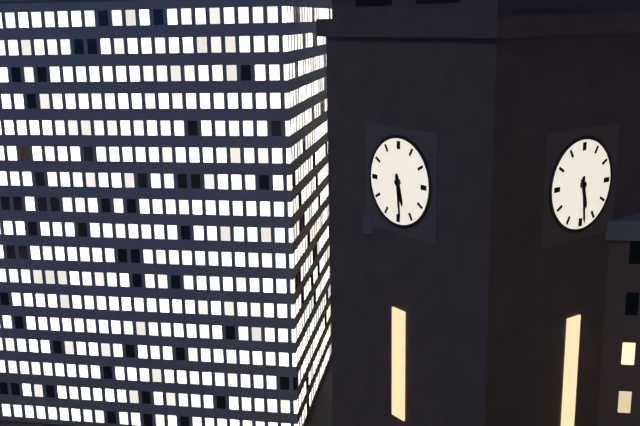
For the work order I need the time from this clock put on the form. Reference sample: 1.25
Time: 5.29
